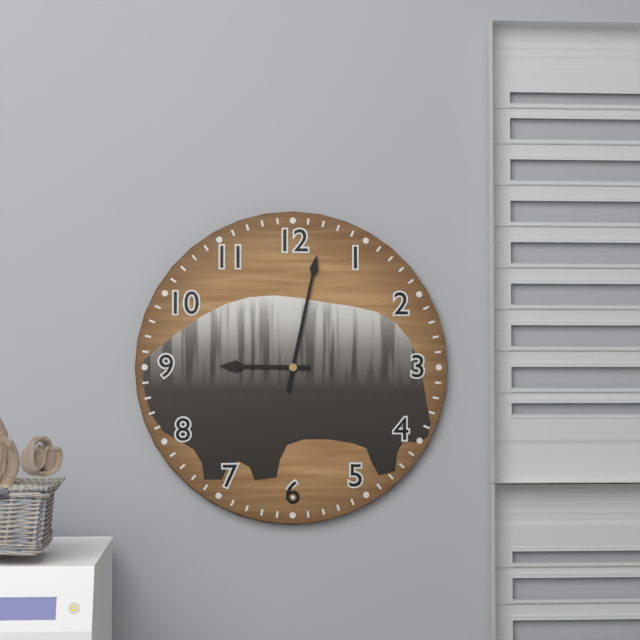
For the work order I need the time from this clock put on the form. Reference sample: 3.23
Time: 9.02
